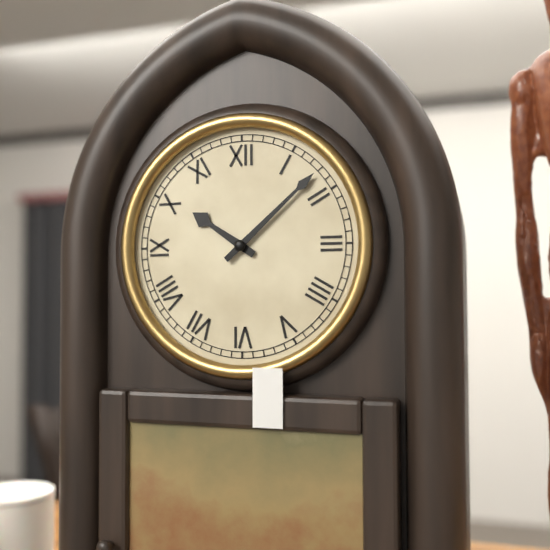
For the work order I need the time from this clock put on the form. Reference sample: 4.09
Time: 10.08
